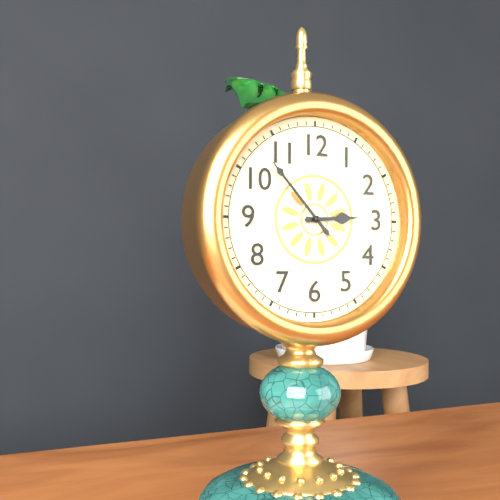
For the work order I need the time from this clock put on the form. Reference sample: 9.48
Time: 2.53
